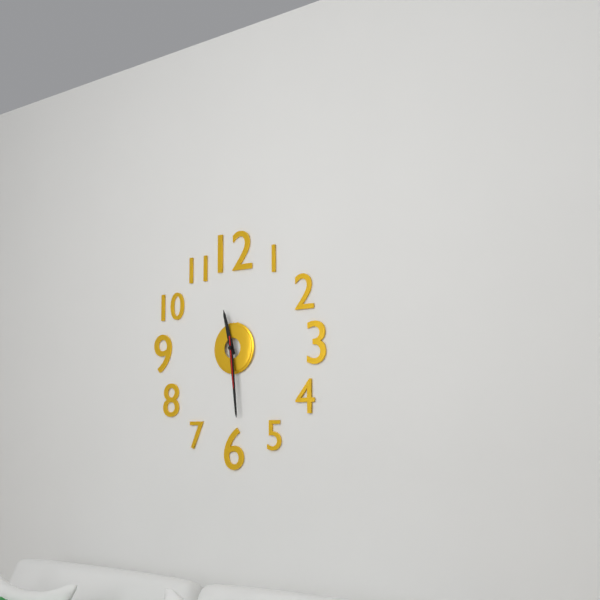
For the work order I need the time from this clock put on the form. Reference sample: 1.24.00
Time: 11.29.29
